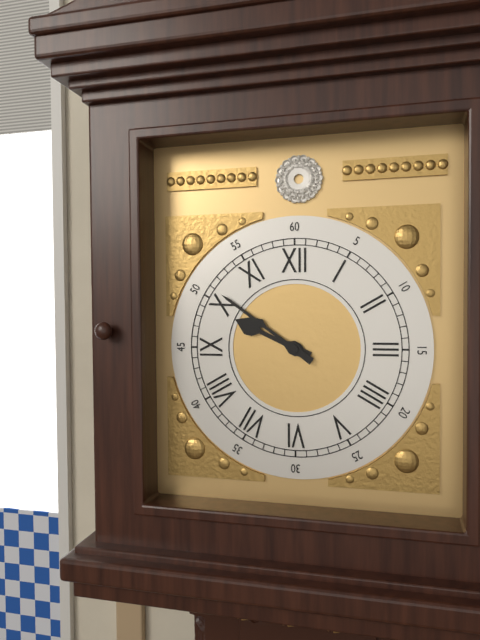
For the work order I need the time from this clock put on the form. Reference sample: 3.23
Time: 9.51
